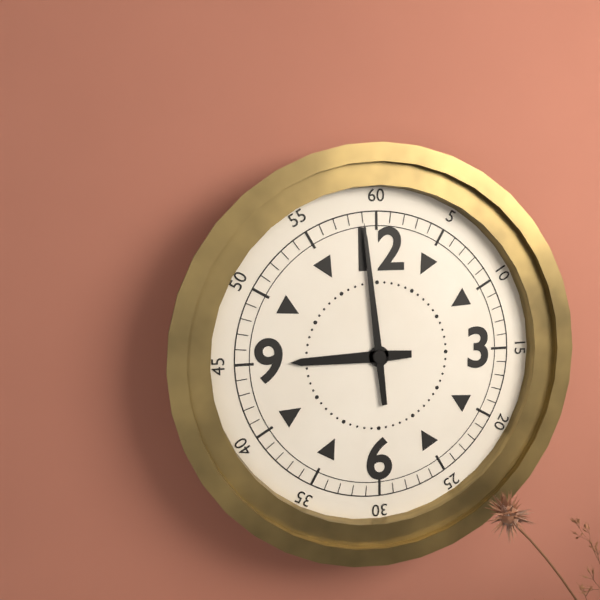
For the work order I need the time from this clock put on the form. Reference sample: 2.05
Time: 8.59
